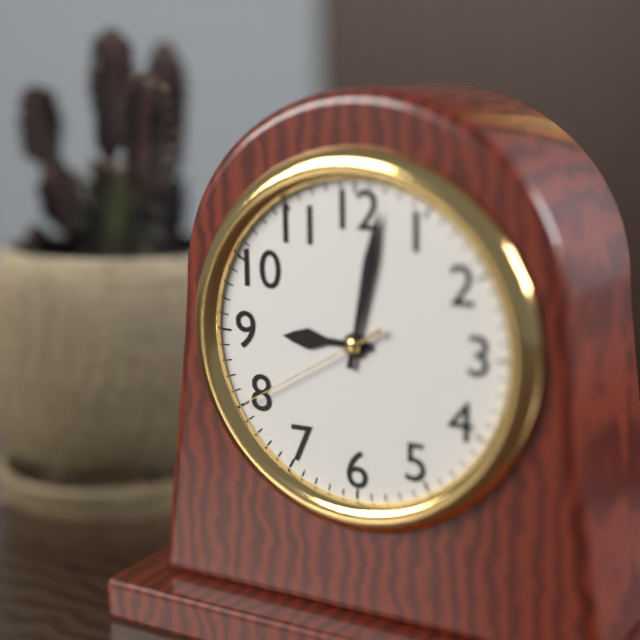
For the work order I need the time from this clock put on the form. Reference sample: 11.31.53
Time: 9.02.40
